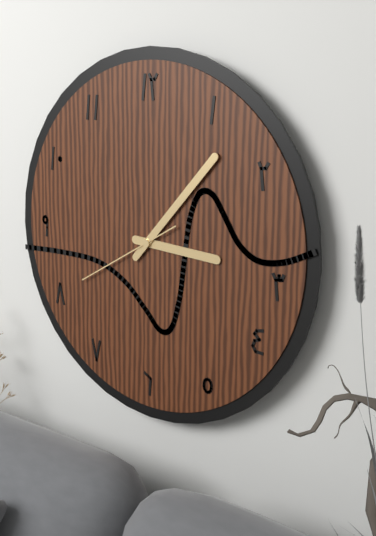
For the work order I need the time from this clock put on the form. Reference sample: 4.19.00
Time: 3.07.40
